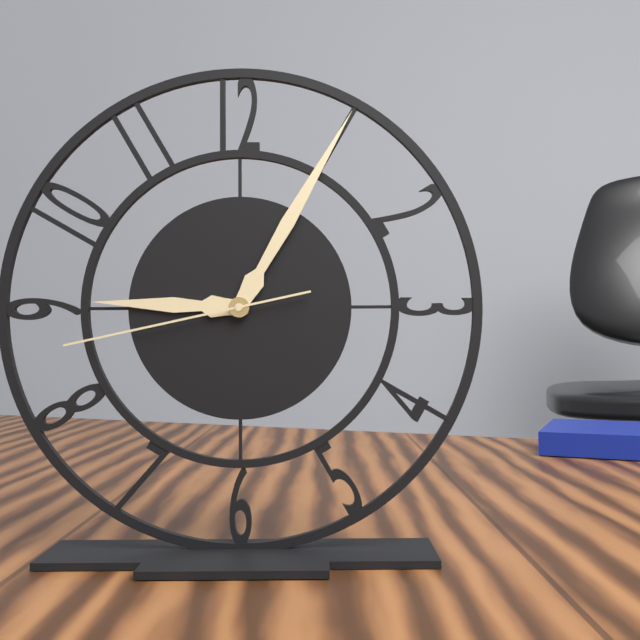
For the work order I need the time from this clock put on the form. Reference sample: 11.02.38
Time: 9.05.43
